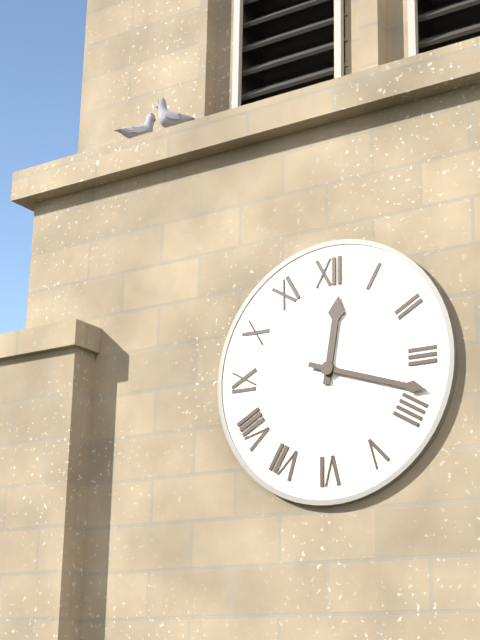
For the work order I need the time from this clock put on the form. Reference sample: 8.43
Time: 12.18
